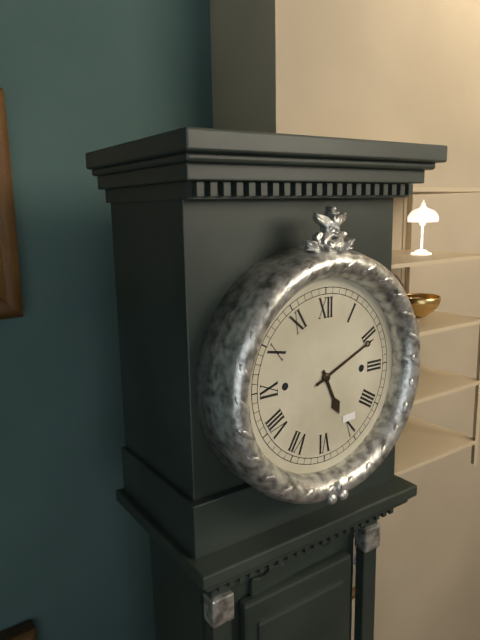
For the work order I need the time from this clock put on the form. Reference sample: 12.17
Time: 5.11
